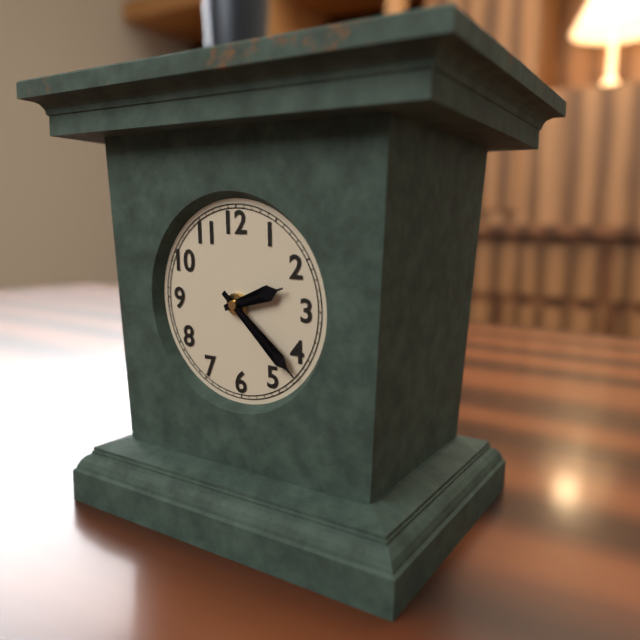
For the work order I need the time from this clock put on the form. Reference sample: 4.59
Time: 2.22
